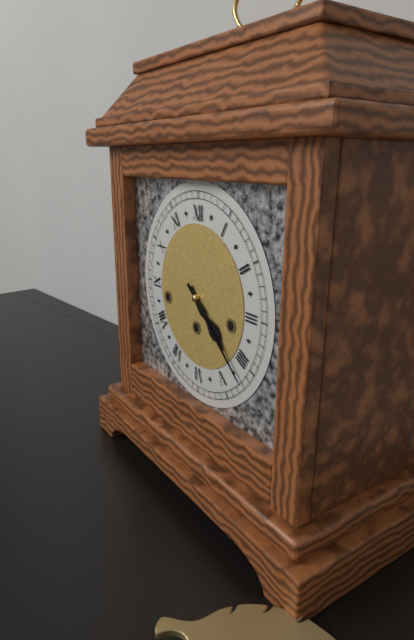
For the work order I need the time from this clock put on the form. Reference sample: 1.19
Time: 4.22
